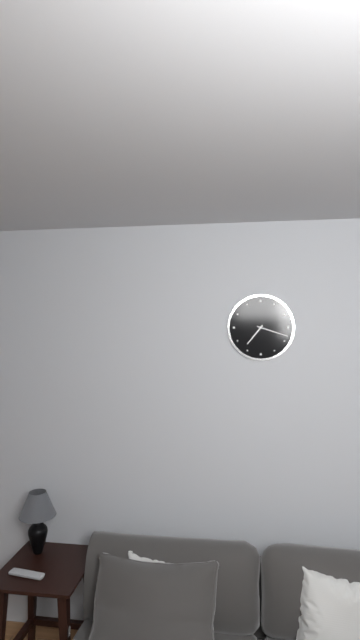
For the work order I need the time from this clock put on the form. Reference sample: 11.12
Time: 7.18
